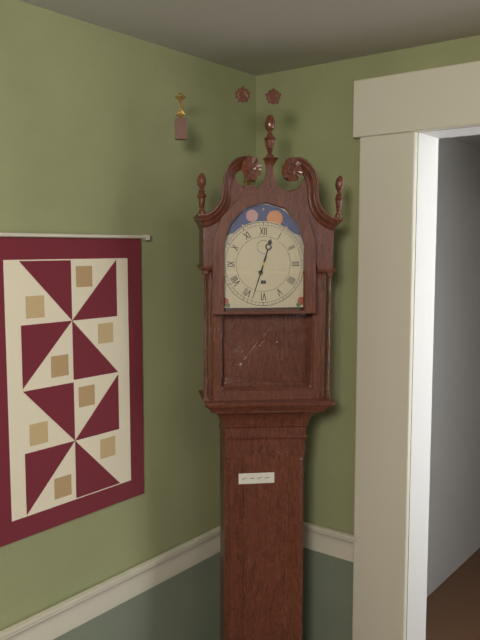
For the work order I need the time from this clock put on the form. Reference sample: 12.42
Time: 12.33
